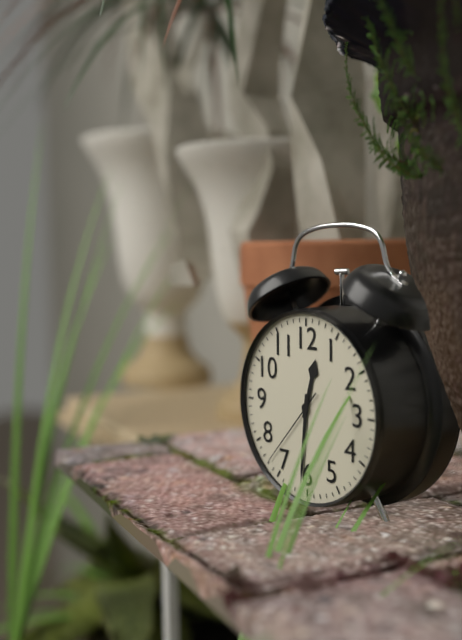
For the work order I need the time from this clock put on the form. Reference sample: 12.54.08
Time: 12.31.37
